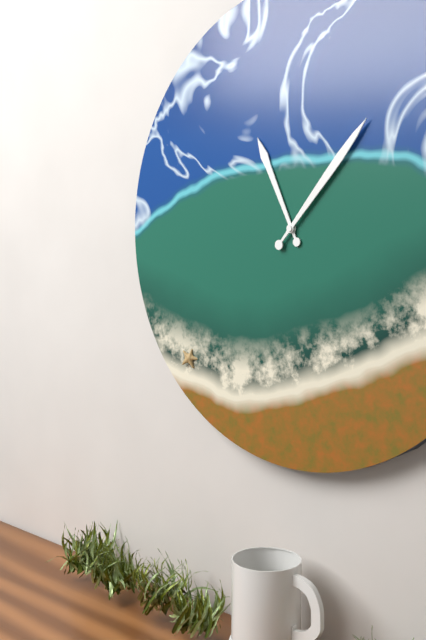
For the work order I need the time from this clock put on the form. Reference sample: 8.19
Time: 11.07
